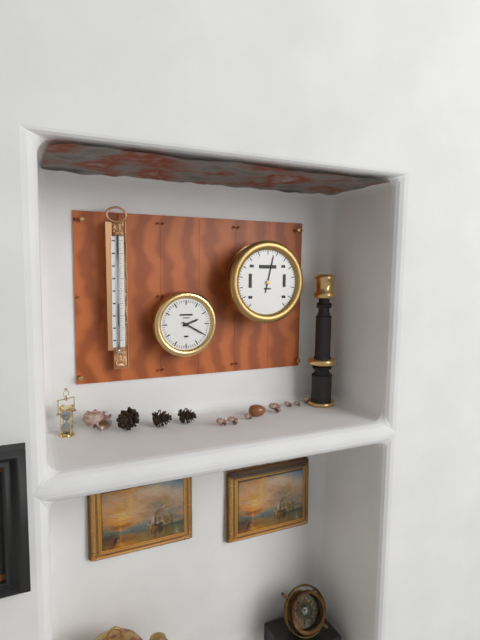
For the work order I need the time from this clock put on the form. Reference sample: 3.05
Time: 2.20
